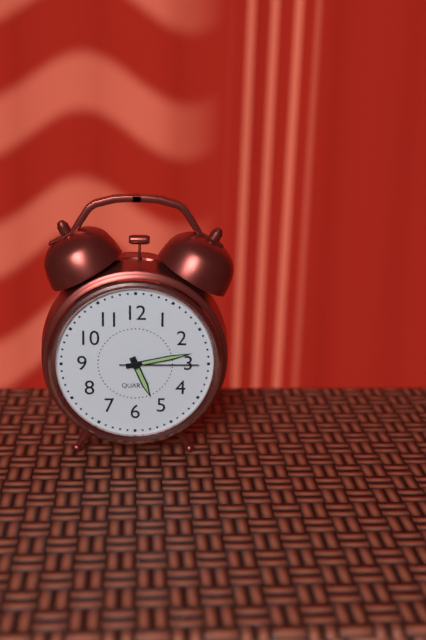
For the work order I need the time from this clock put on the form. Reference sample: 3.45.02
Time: 5.13.15
